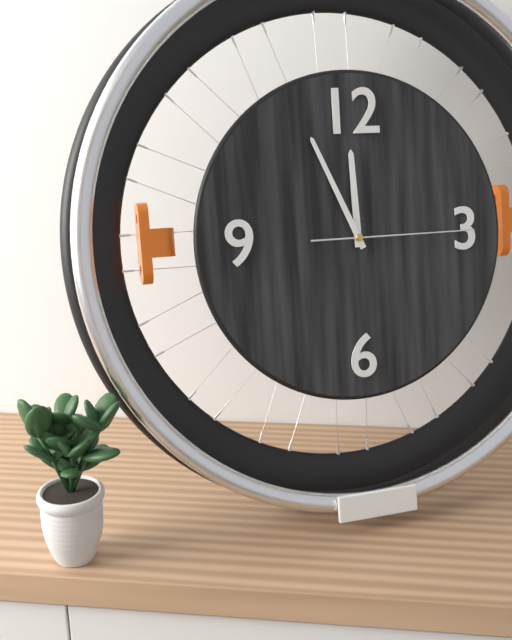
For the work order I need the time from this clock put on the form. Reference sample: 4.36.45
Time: 11.56.15
